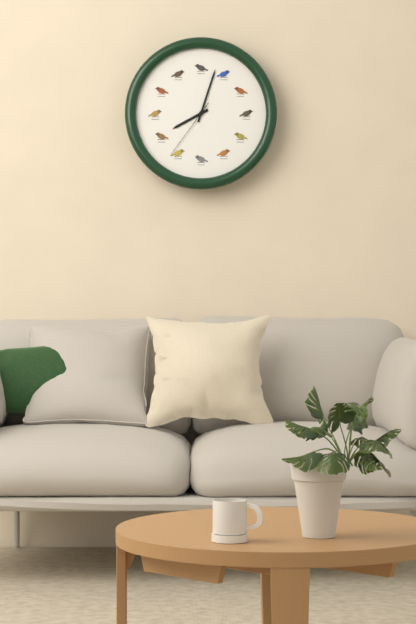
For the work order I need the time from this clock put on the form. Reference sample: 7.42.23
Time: 8.03.36
